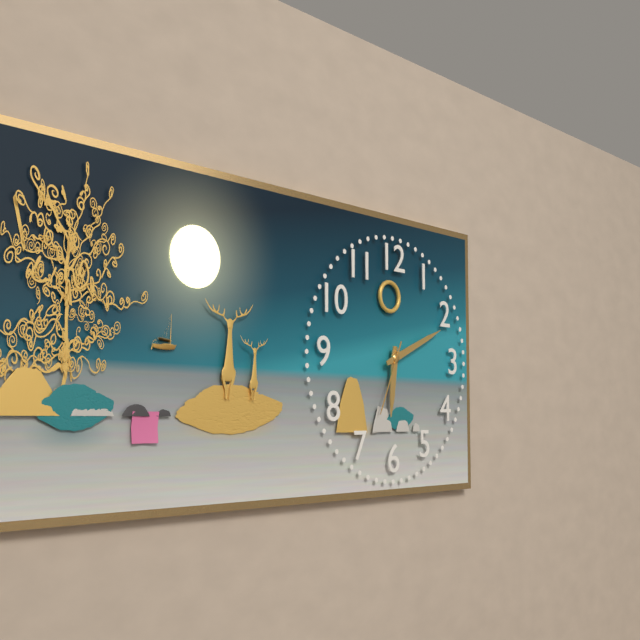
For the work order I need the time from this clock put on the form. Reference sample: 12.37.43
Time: 6.11.34
